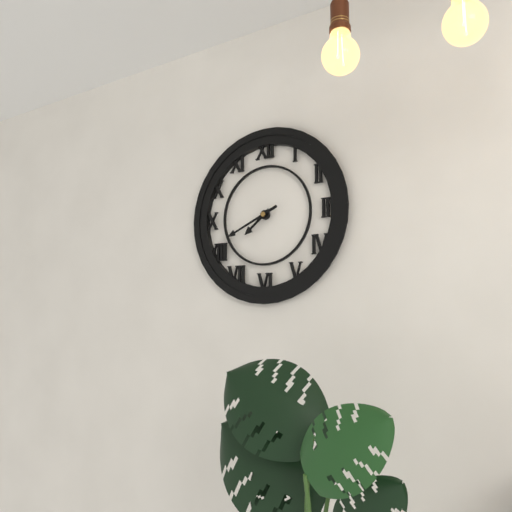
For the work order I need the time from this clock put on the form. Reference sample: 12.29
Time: 7.41
